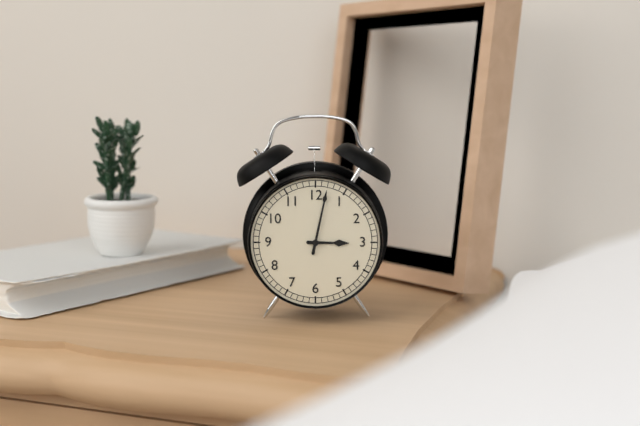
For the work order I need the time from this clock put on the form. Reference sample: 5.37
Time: 3.02
